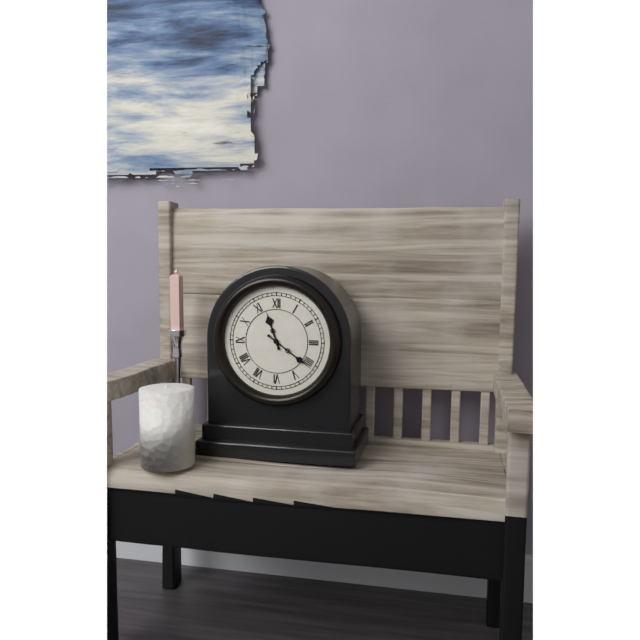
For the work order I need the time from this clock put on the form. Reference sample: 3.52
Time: 11.21
